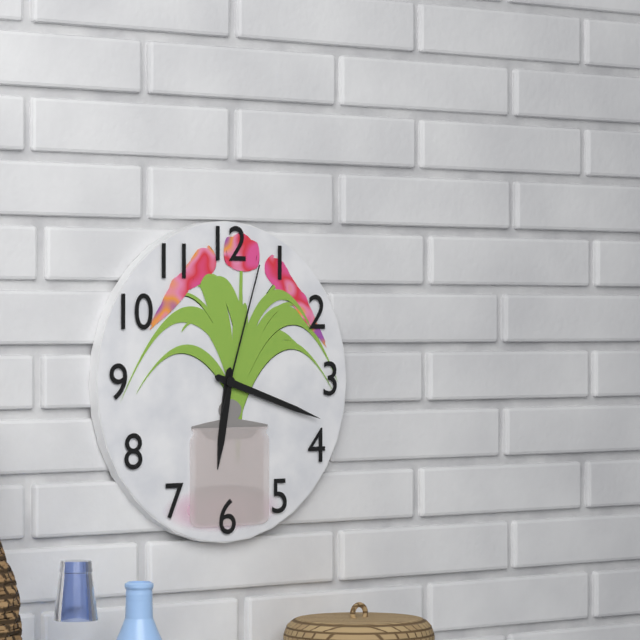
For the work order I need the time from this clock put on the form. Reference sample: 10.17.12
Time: 6.18.03
